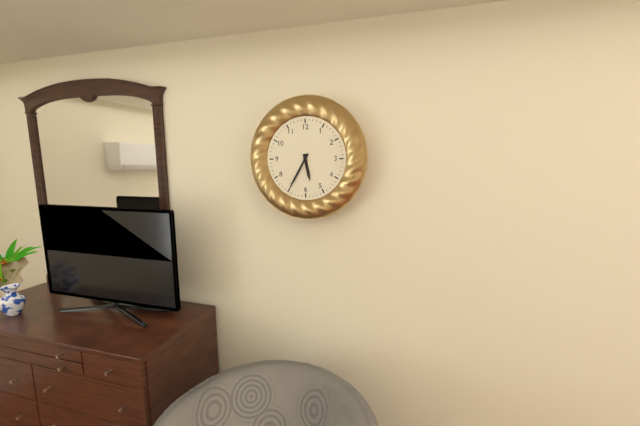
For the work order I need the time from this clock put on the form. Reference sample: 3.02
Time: 5.35
